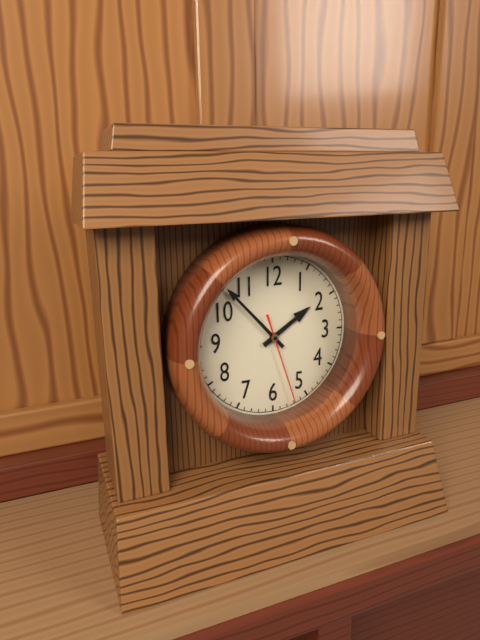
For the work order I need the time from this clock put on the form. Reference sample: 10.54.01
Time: 1.53.27
